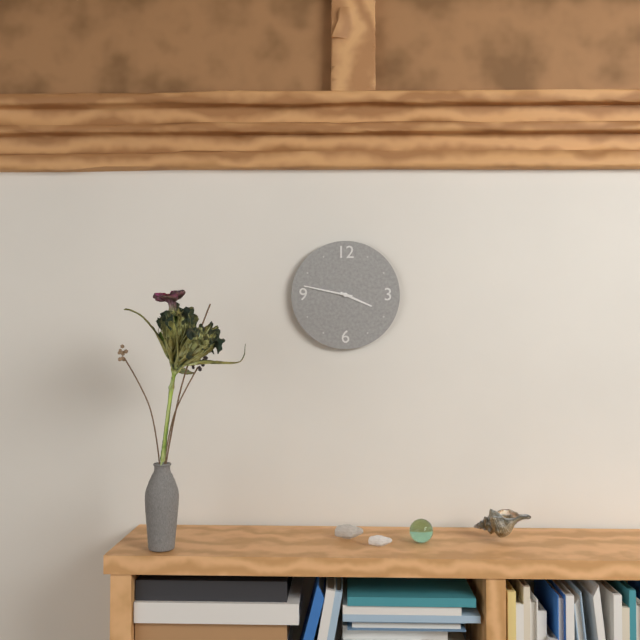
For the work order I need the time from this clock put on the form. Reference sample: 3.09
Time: 3.47
